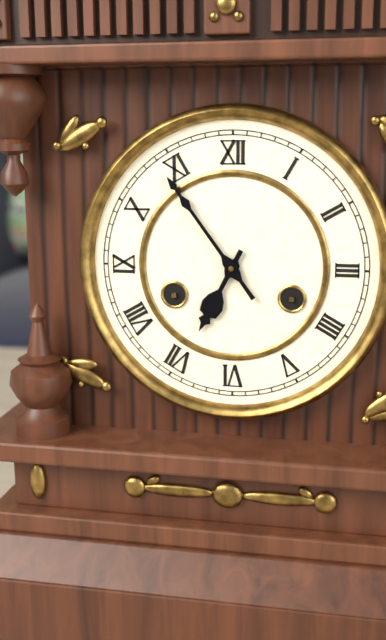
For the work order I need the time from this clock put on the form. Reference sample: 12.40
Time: 6.54
